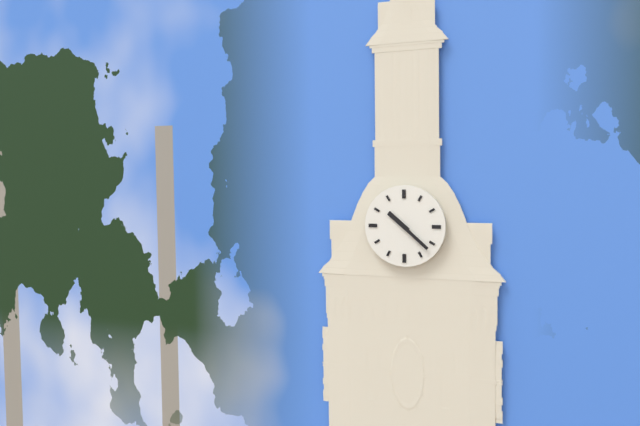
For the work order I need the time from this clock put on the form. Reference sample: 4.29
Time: 10.22
